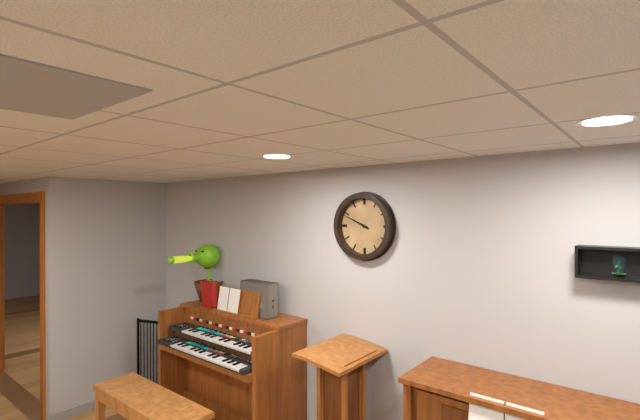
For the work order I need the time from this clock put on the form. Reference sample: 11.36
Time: 9.49
